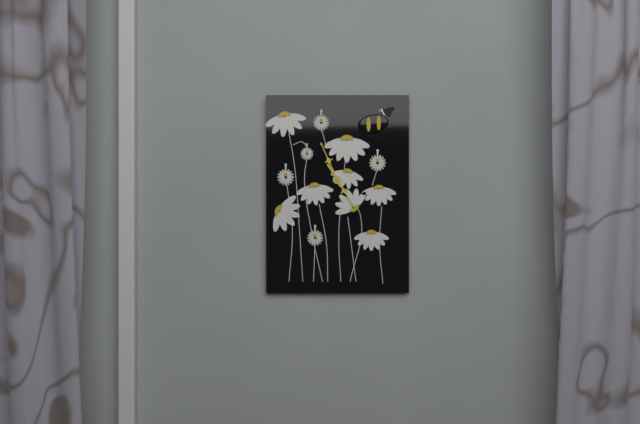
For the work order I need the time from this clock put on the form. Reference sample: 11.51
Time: 4.56
